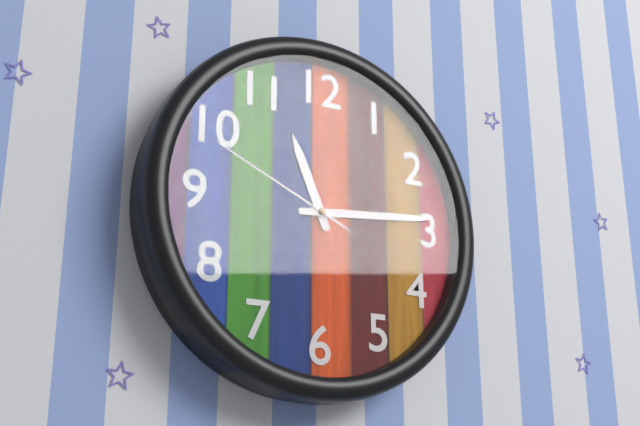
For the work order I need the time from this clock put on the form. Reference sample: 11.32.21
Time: 11.14.49
